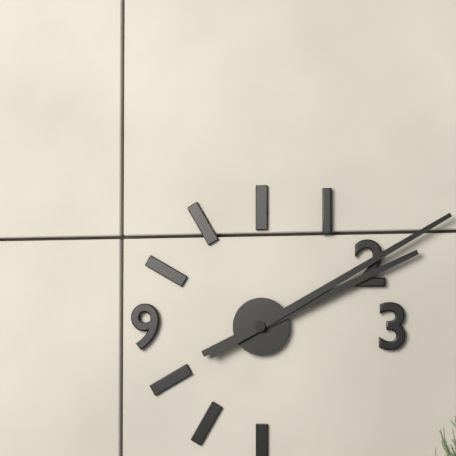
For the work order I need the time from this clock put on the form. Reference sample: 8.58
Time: 2.10
